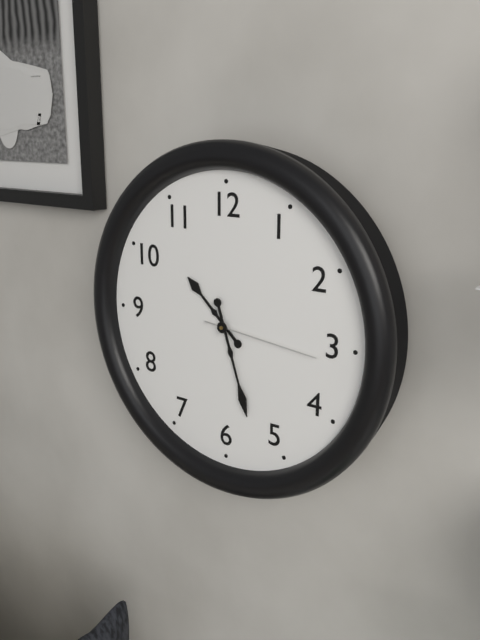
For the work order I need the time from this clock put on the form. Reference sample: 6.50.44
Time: 10.27.16
